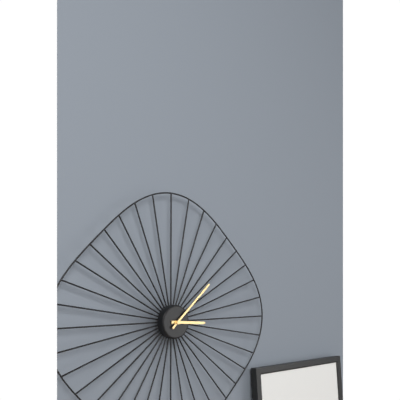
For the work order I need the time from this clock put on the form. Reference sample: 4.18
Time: 3.08
